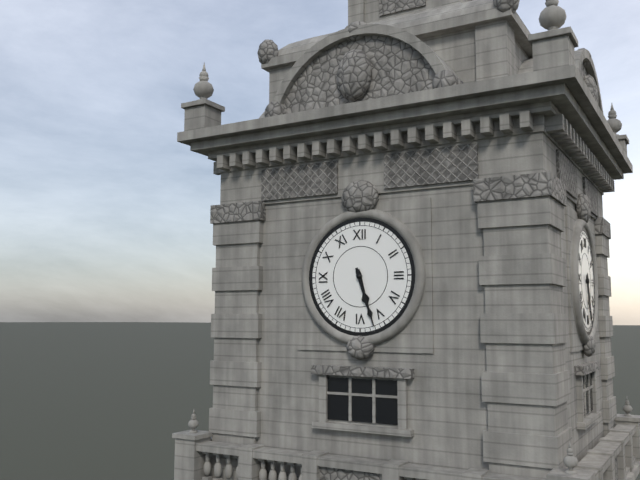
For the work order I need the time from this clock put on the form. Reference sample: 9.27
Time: 5.27
